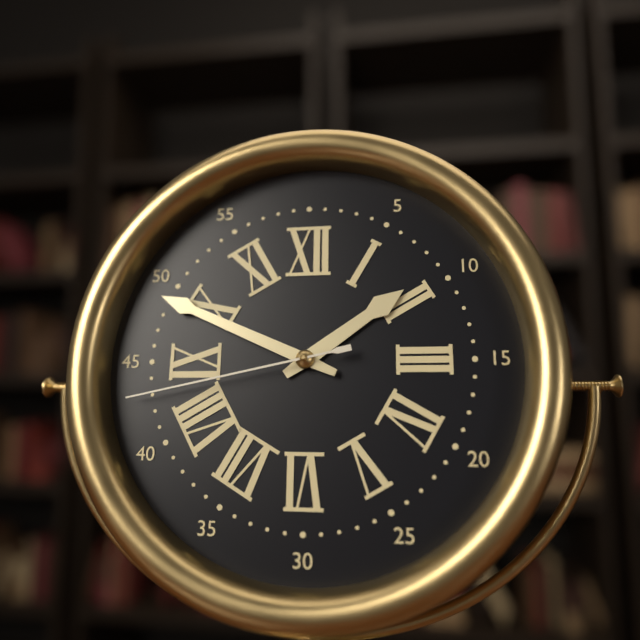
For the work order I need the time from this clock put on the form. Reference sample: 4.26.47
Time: 1.49.43
